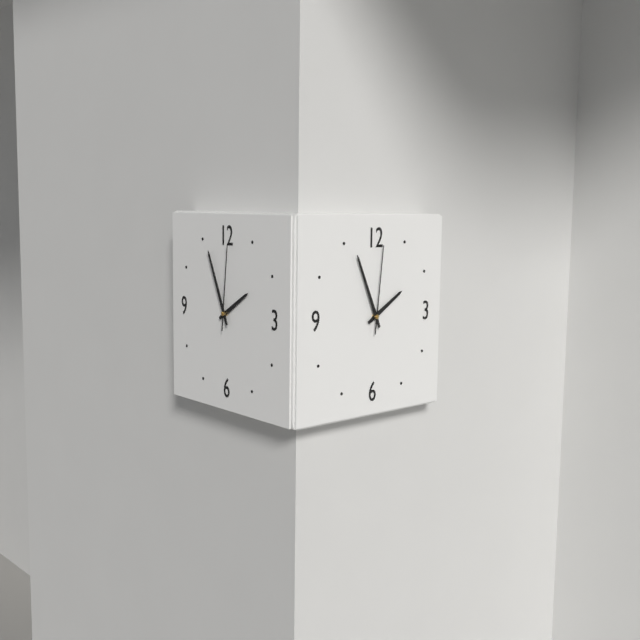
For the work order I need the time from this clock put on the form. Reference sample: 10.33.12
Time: 1.56.01
